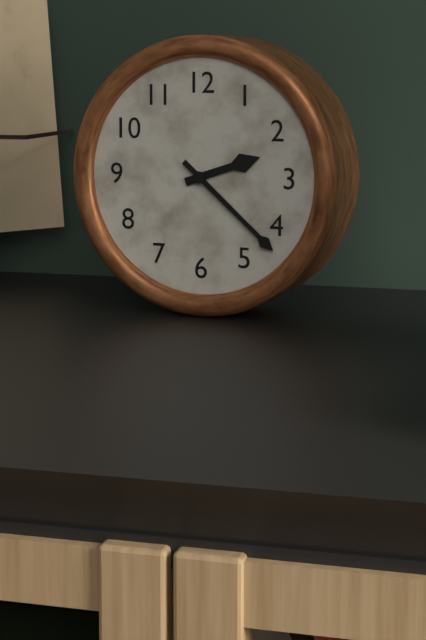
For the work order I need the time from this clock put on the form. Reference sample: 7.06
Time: 2.22
